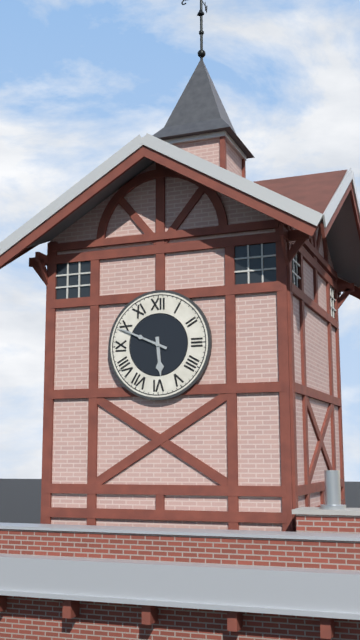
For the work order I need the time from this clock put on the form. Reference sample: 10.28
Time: 5.49
